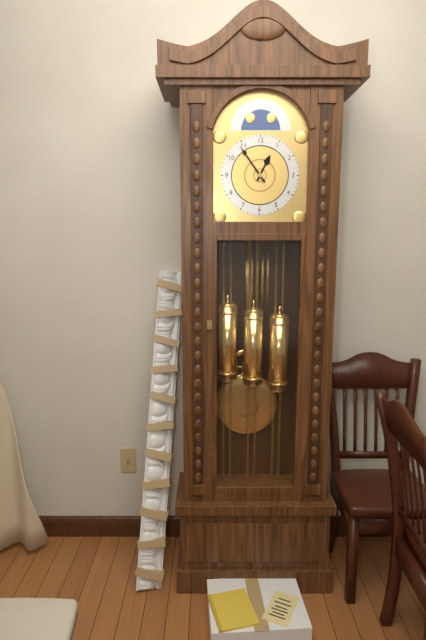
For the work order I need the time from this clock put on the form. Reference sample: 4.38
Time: 12.54
